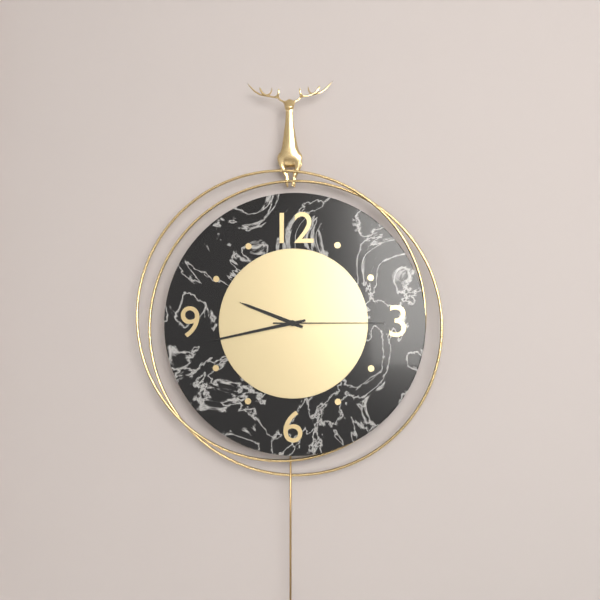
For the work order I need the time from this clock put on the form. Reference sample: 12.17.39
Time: 9.43.15
